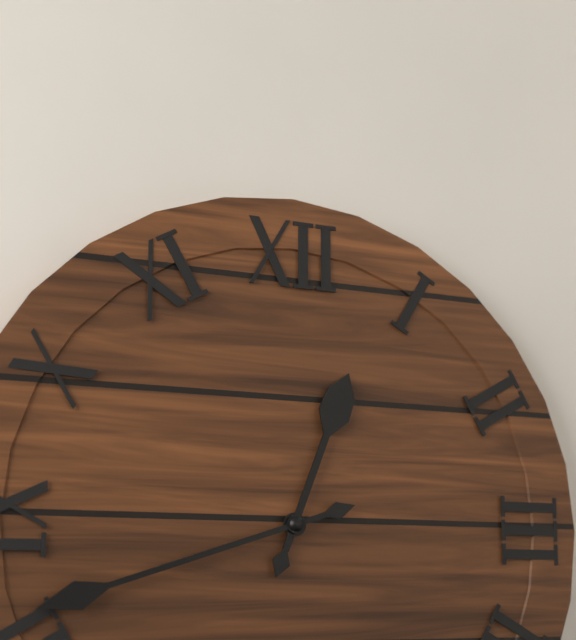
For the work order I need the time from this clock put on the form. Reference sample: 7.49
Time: 12.42
